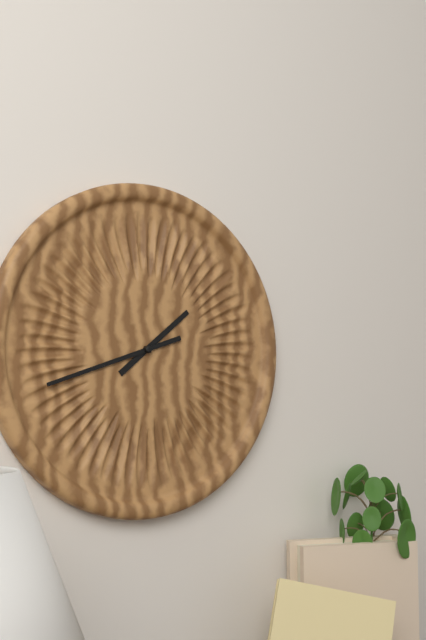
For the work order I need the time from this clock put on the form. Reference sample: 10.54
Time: 1.42
